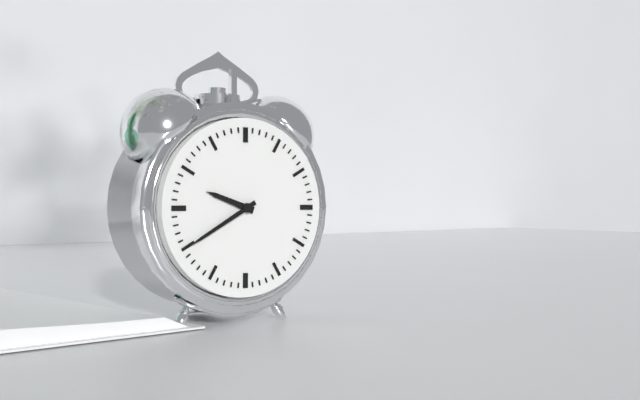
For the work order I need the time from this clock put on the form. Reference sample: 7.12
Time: 9.40
